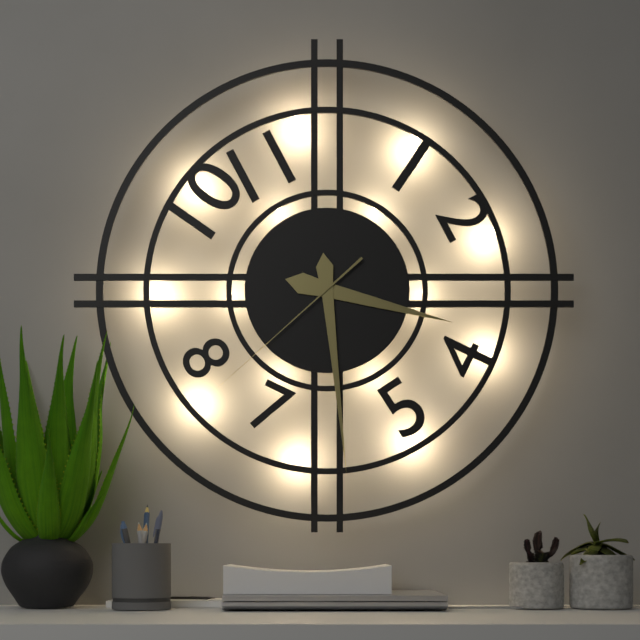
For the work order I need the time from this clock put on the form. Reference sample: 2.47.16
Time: 3.29.38
